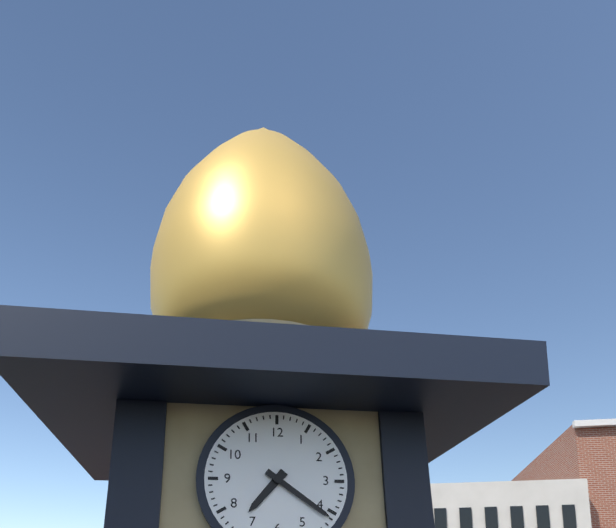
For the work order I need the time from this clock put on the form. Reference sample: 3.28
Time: 7.21
